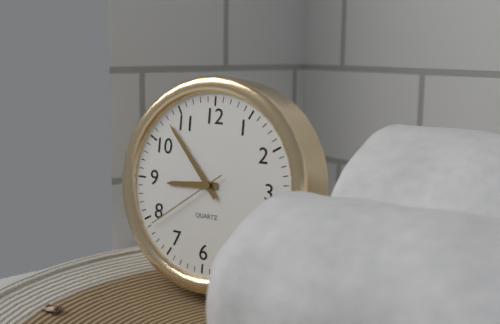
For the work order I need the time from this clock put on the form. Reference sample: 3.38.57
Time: 8.53.39
